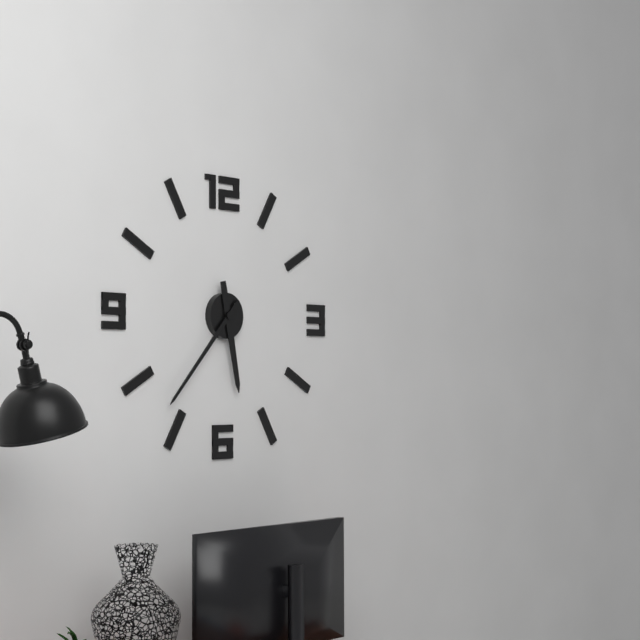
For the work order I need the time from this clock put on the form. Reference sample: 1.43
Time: 5.37
